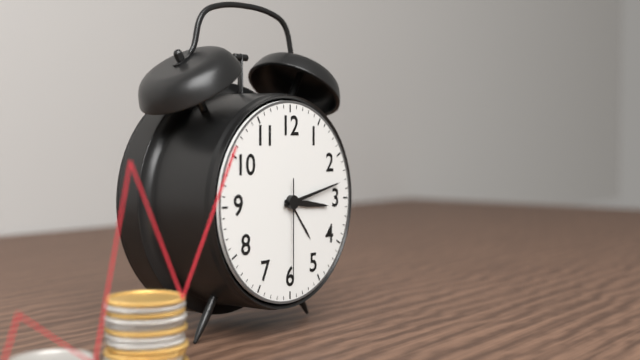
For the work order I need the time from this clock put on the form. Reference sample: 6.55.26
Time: 3.13.30
